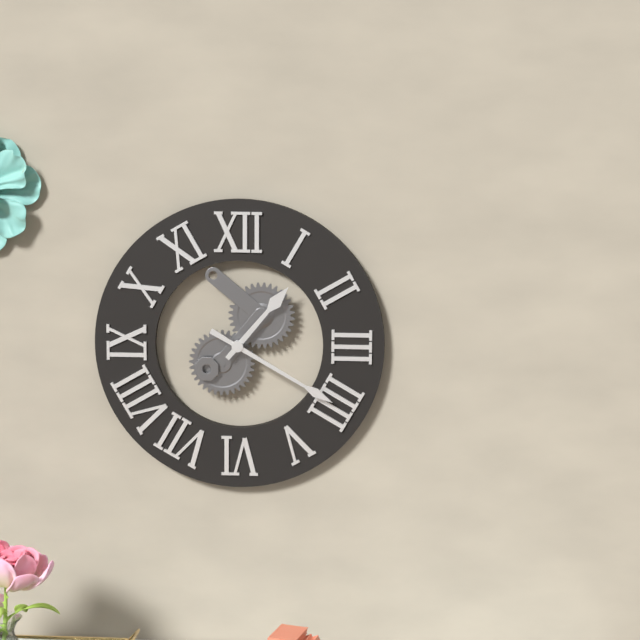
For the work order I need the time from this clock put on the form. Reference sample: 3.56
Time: 1.20
